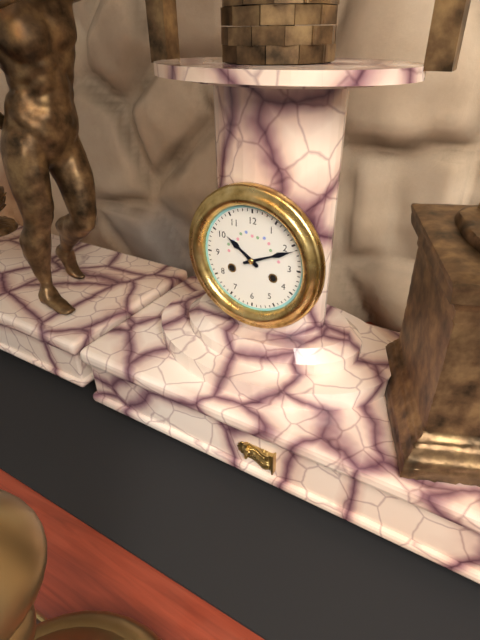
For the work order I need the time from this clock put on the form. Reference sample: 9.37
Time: 10.11
